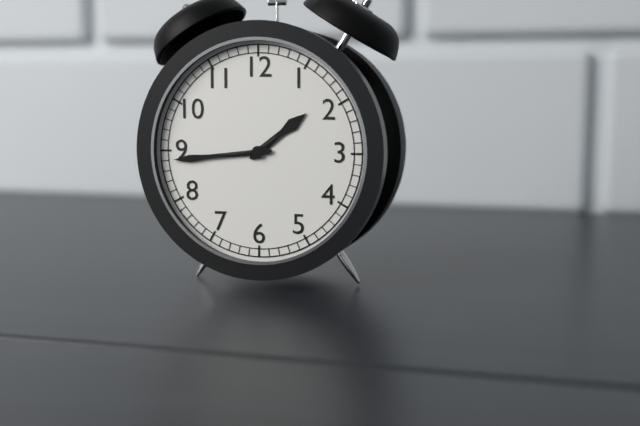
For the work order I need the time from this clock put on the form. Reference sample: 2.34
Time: 1.44
